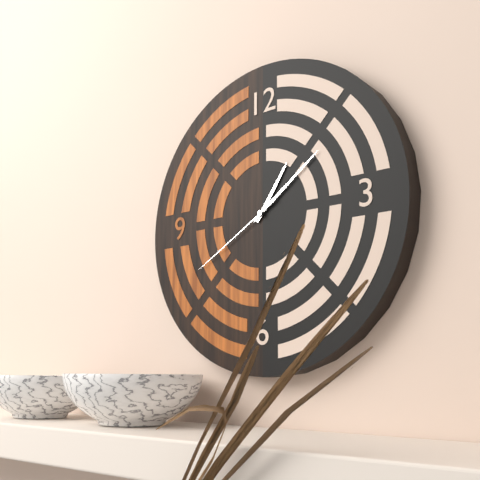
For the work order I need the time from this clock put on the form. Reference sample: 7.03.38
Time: 1.09.40
